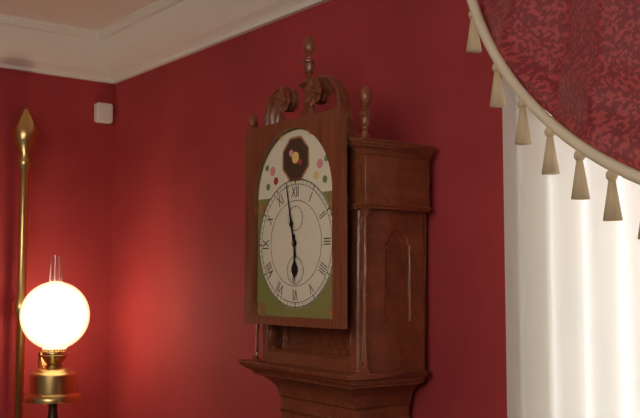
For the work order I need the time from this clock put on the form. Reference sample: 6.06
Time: 5.58
